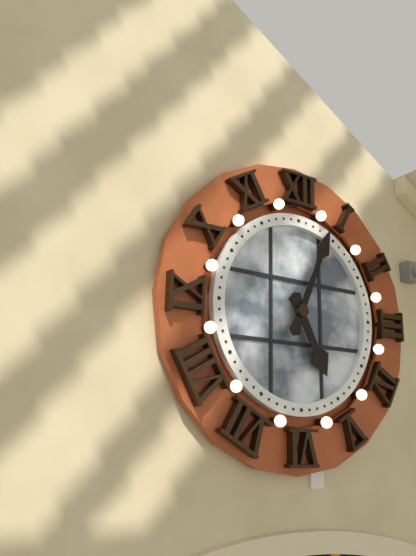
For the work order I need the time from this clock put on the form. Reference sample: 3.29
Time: 5.04
